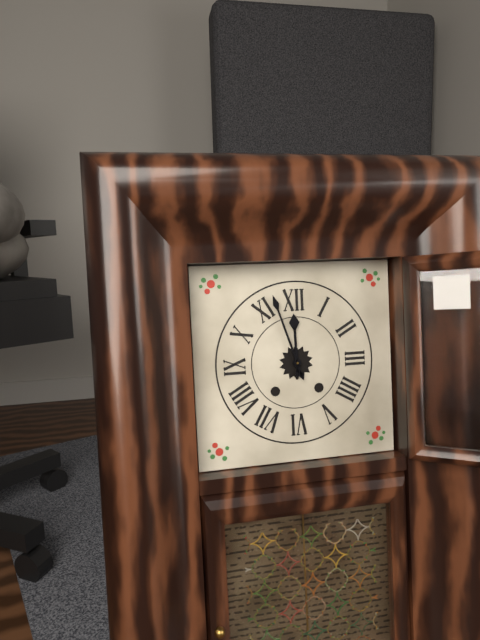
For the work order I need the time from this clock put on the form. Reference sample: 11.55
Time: 11.57
